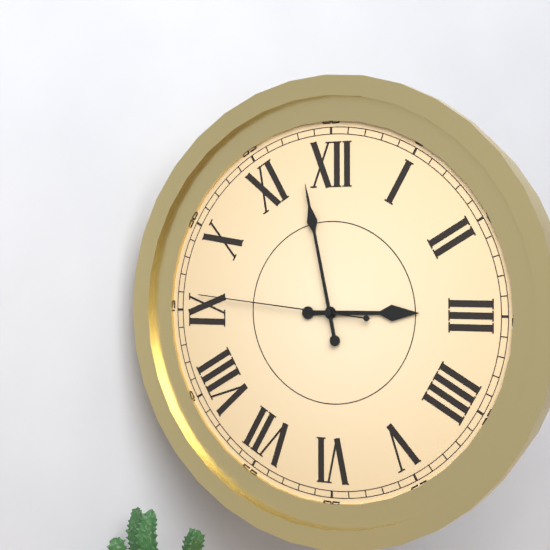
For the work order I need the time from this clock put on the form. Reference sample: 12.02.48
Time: 2.58.46
